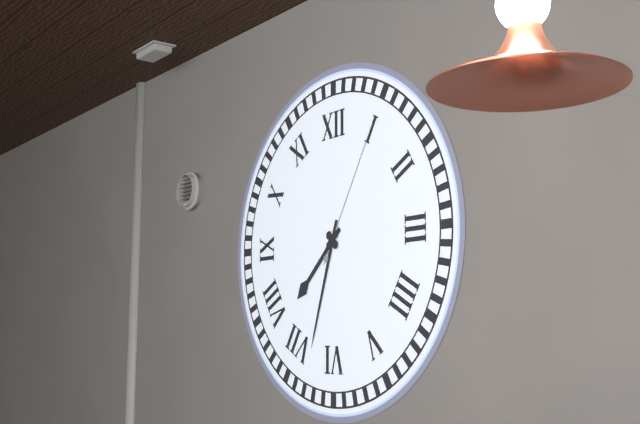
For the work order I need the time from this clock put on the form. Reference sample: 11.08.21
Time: 7.33.05
